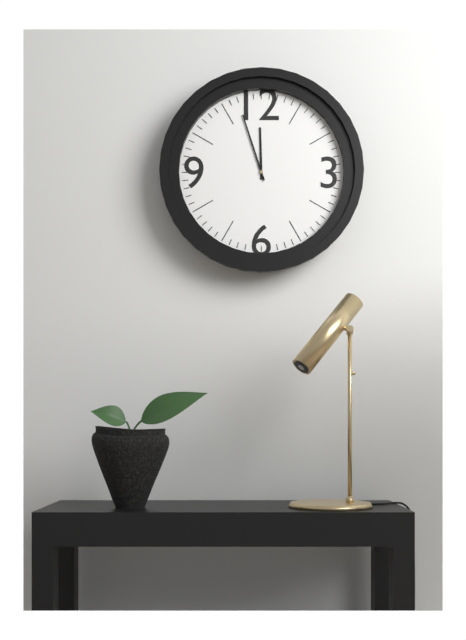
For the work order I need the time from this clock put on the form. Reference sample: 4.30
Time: 11.57
